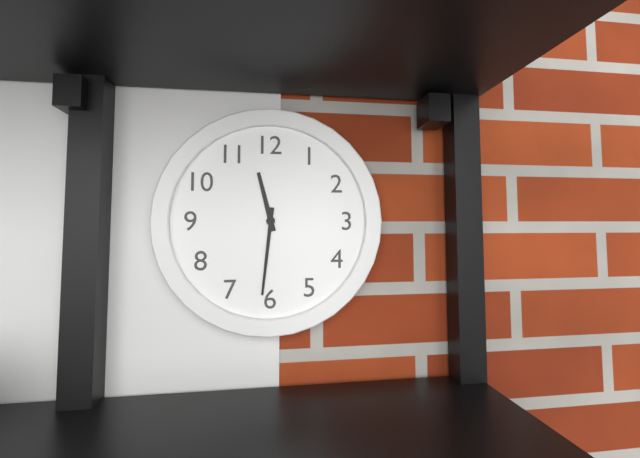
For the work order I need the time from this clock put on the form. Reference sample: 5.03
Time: 11.31
